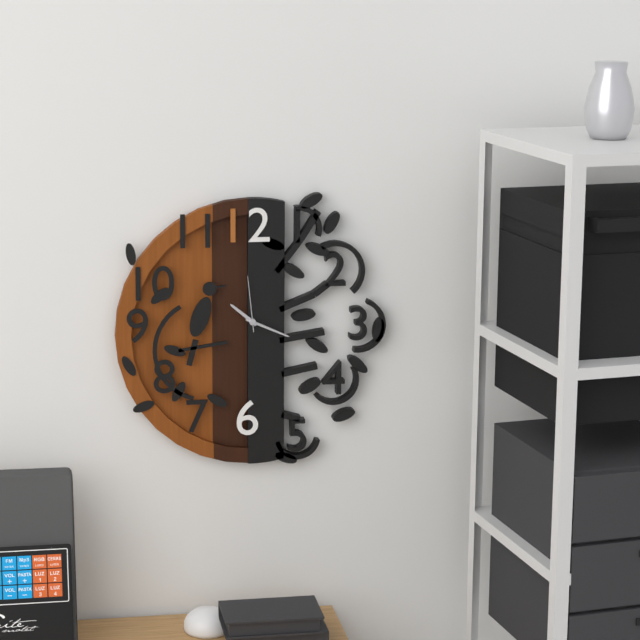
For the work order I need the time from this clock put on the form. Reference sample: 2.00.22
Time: 10.19.59
